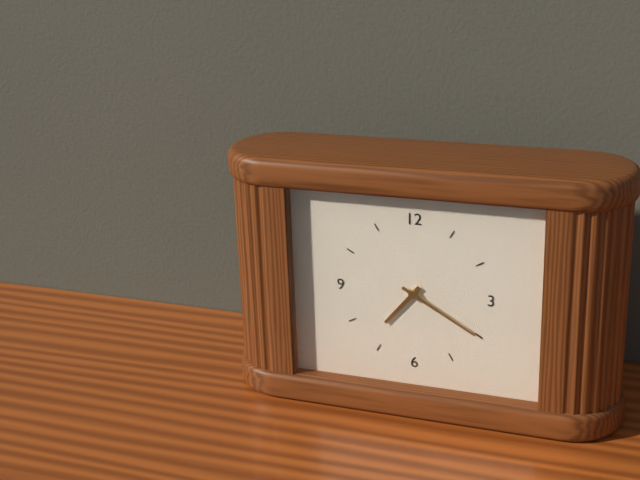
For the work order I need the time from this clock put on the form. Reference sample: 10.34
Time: 7.20
